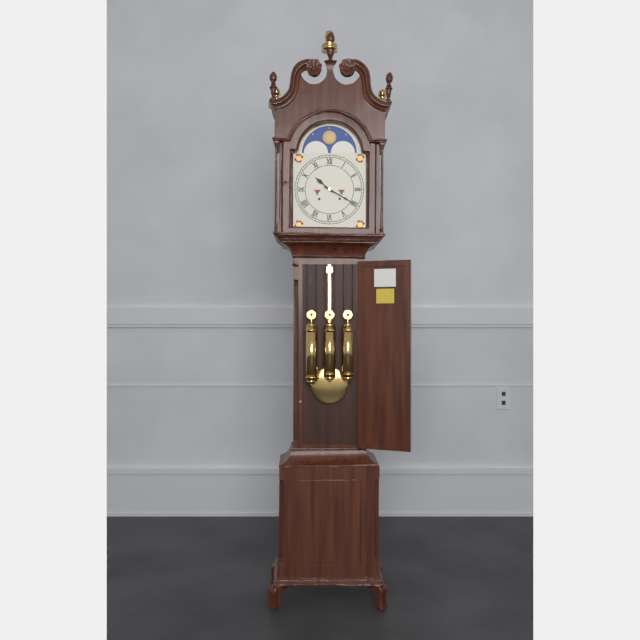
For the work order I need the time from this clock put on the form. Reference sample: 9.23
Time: 10.20
